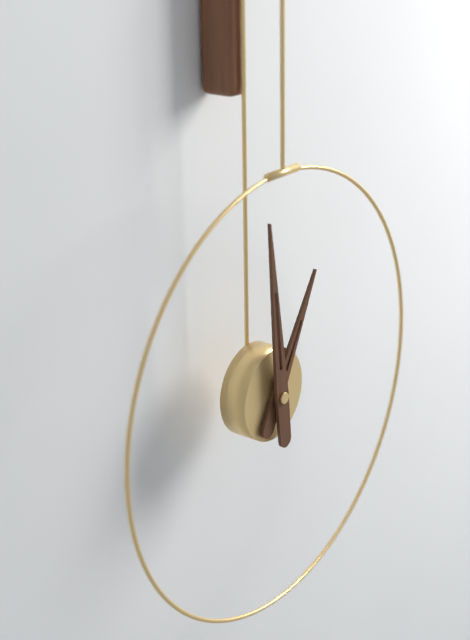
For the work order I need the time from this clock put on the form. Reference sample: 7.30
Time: 12.59
